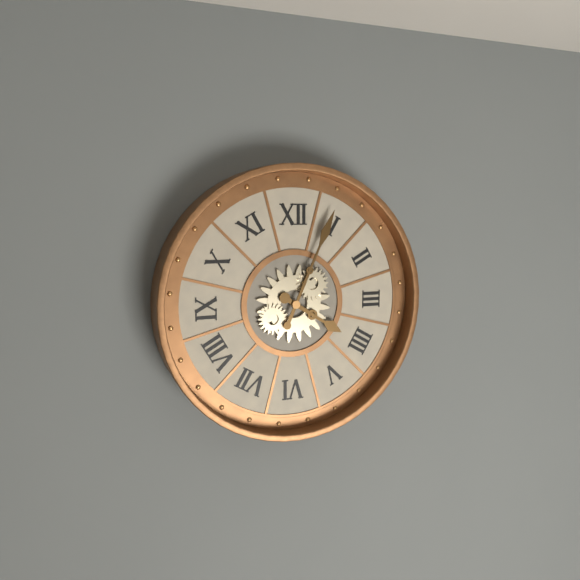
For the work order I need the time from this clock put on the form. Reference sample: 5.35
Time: 4.04
